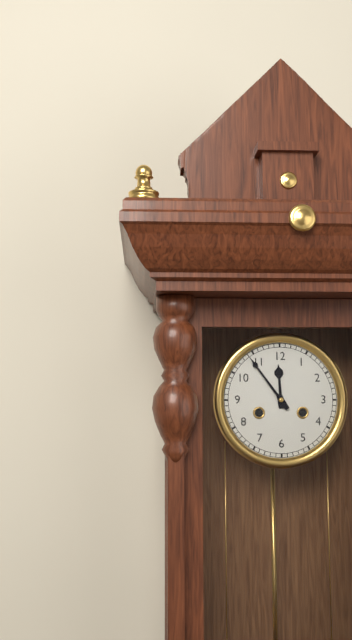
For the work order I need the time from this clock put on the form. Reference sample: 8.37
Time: 11.54
